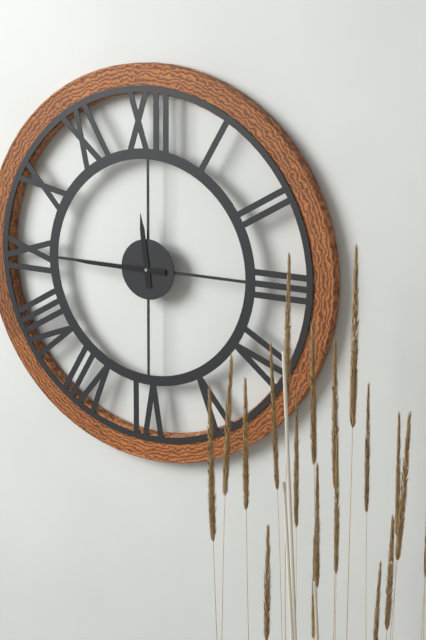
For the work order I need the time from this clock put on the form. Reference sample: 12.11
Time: 11.45
